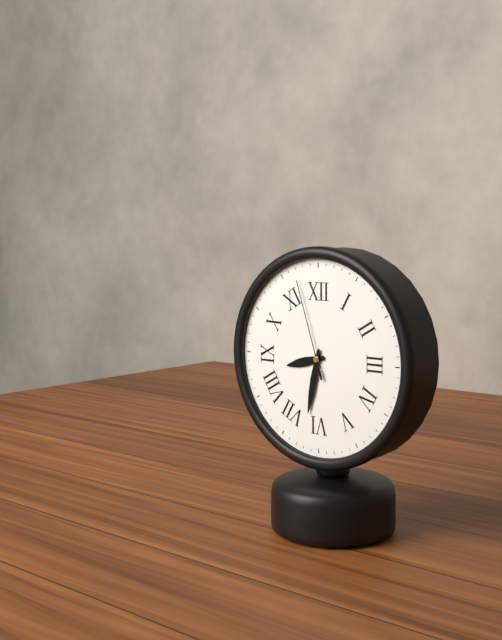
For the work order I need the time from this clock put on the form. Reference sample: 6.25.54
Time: 8.32.57
